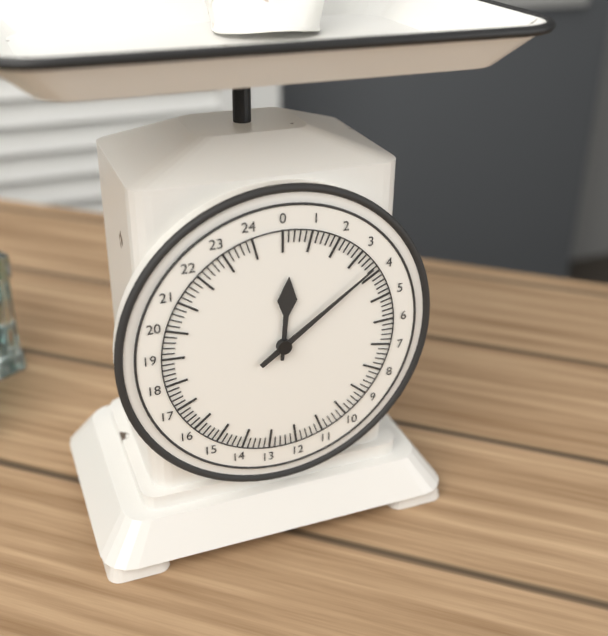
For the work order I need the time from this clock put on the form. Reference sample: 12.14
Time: 12.09
